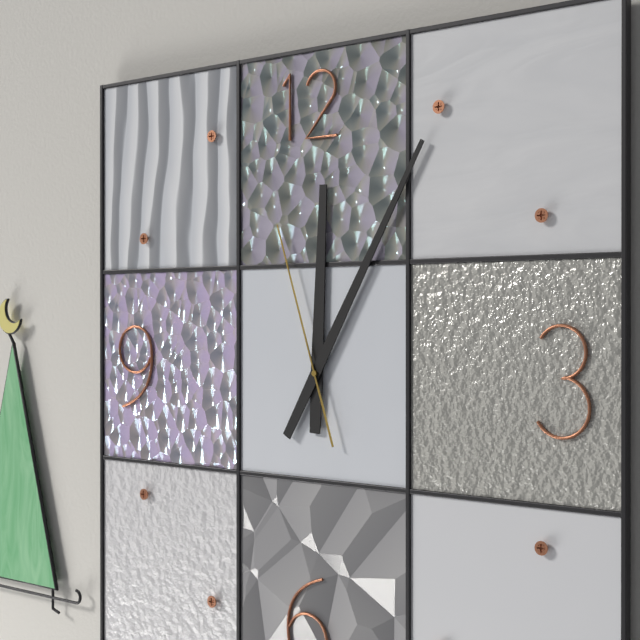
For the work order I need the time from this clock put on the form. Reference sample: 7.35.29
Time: 12.05.57
